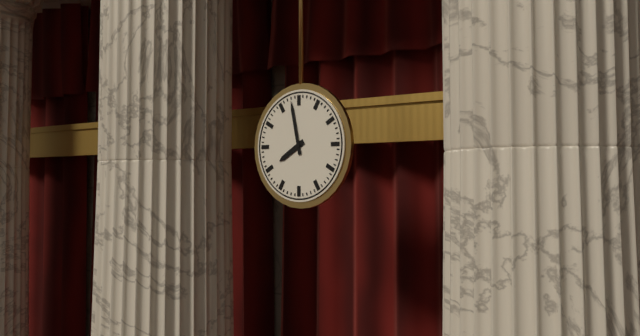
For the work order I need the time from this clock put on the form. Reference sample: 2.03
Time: 7.58
